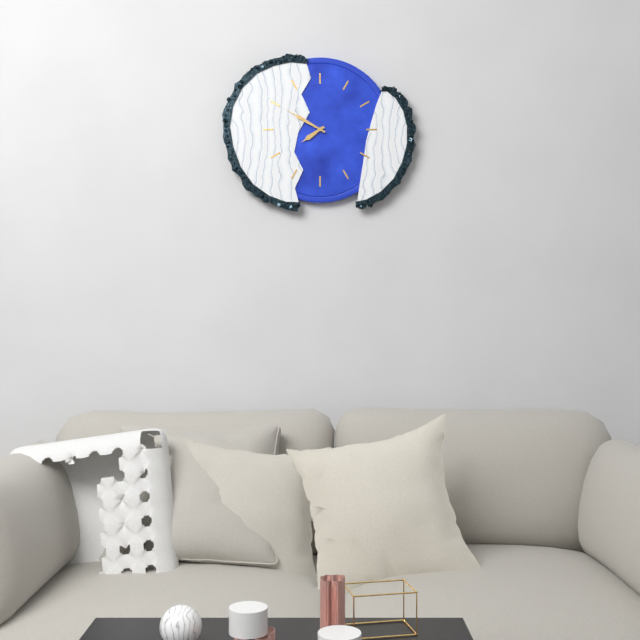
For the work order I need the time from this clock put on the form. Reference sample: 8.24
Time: 7.50
